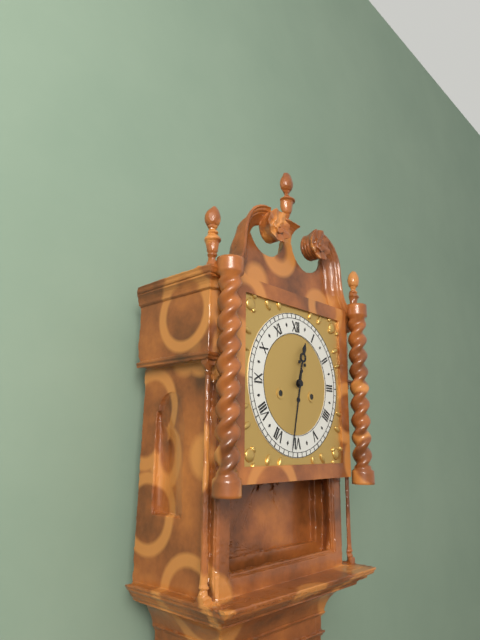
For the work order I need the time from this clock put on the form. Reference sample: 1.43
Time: 12.32
